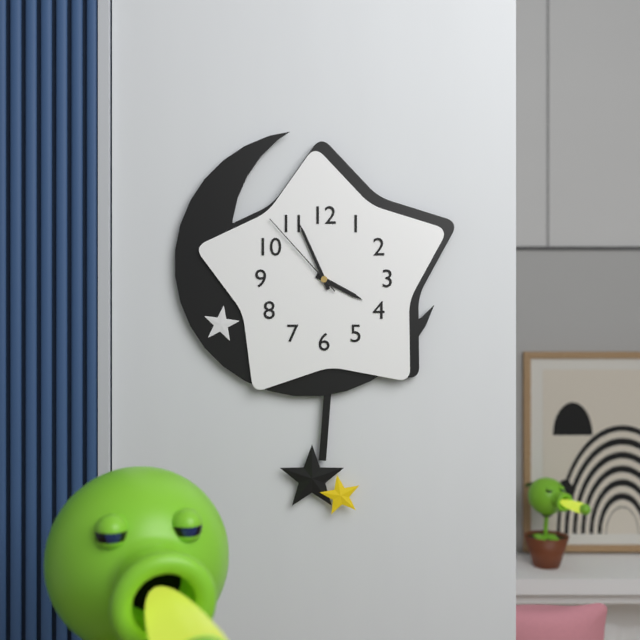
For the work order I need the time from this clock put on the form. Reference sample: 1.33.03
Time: 3.56.53
